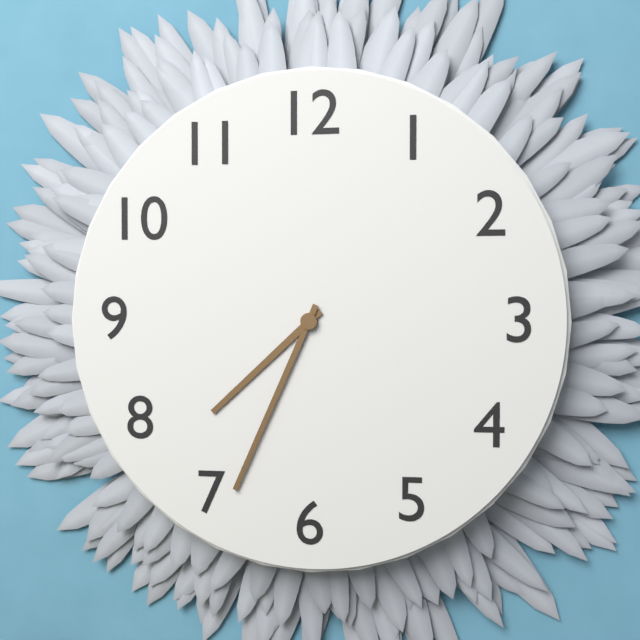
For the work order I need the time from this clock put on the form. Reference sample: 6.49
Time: 7.34
